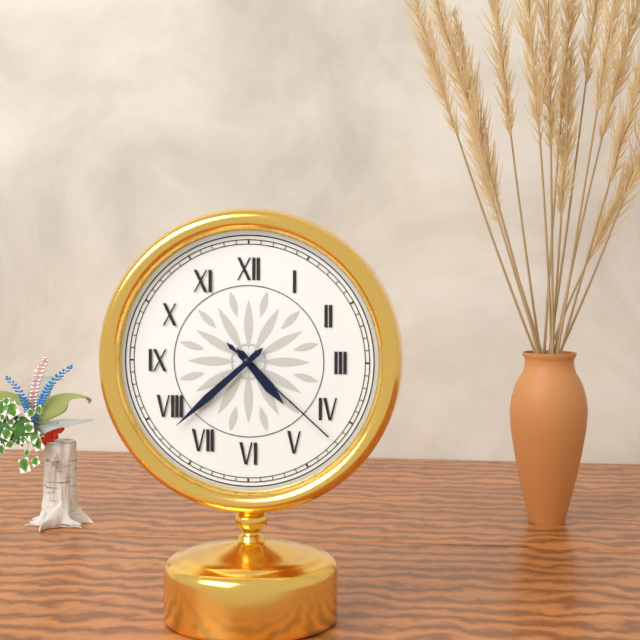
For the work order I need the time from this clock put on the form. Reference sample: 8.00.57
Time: 4.38.22
